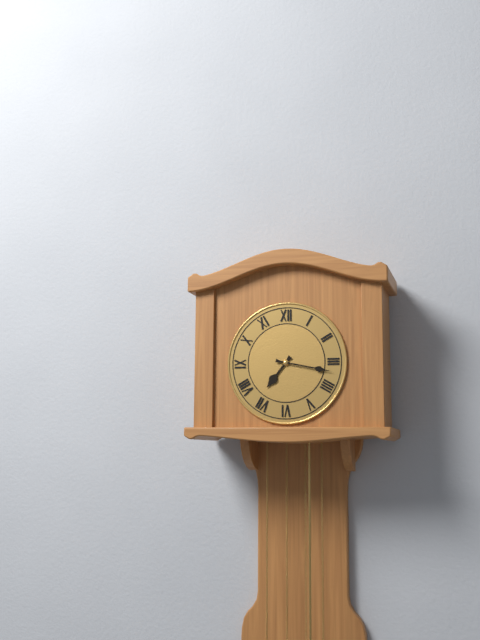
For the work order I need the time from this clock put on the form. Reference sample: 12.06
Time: 7.17
